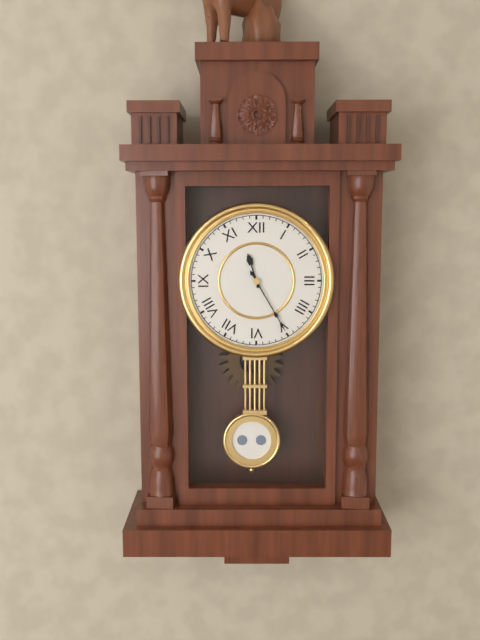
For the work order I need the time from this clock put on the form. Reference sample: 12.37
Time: 11.25
